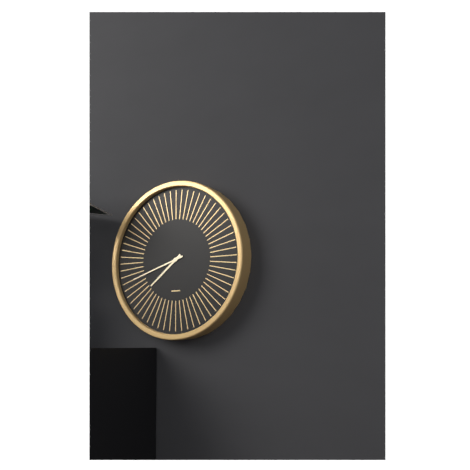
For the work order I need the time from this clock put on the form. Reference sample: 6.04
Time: 7.42
